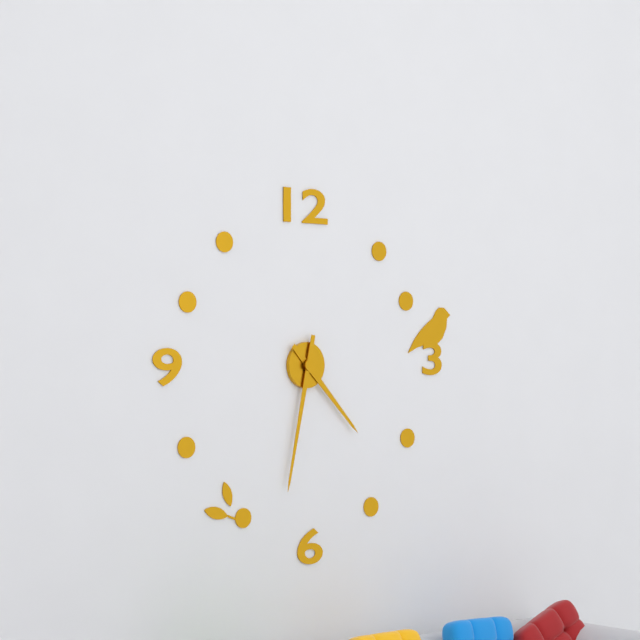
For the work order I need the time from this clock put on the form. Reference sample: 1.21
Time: 4.32
